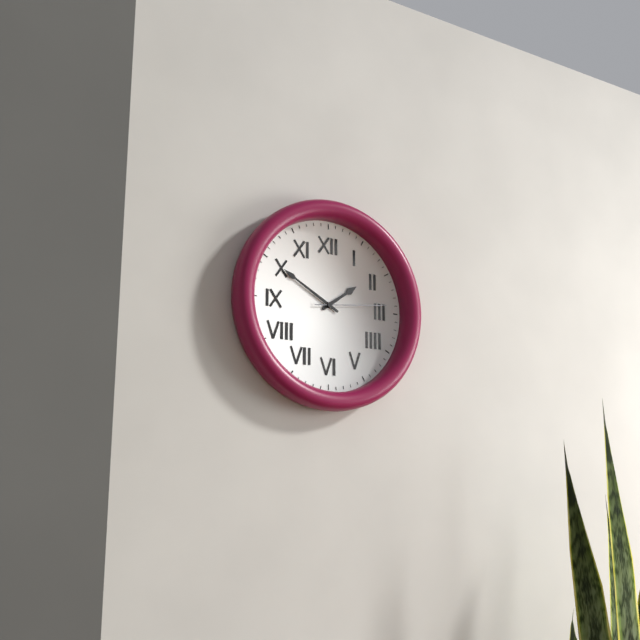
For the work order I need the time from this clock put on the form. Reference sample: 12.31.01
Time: 1.50.14
